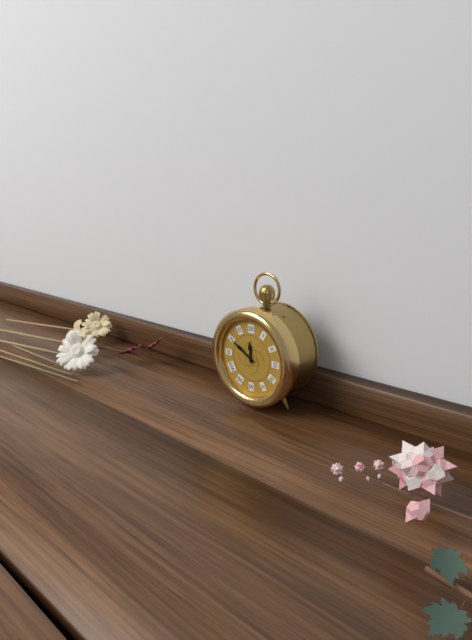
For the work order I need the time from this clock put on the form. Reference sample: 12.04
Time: 11.50
